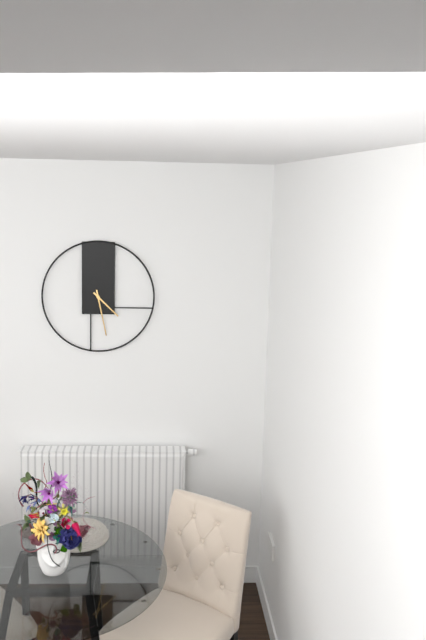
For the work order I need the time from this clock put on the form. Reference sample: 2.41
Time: 4.28
